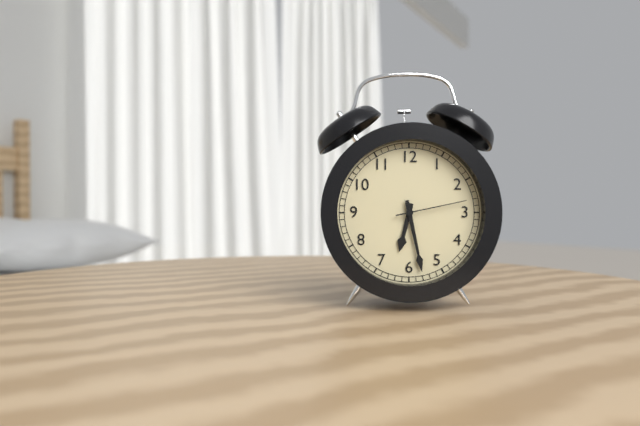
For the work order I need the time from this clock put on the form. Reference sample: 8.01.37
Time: 6.28.13
